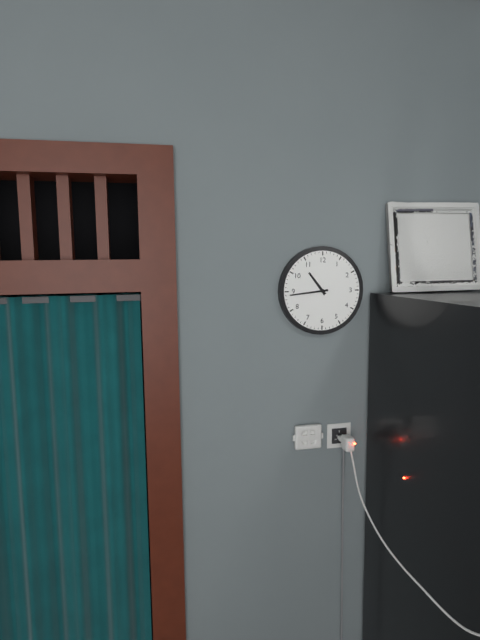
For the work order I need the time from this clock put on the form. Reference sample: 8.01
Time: 10.44
